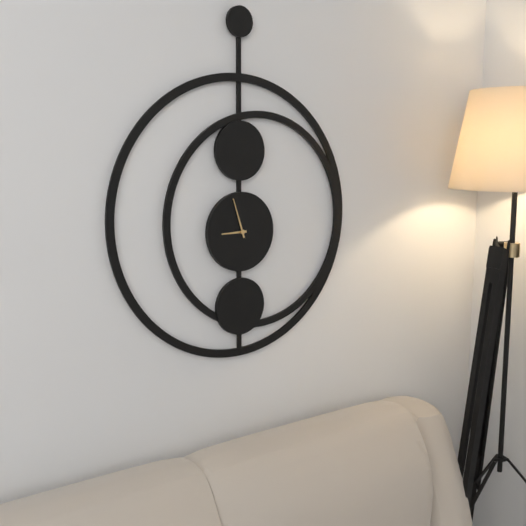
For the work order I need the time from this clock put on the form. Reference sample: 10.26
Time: 8.57
